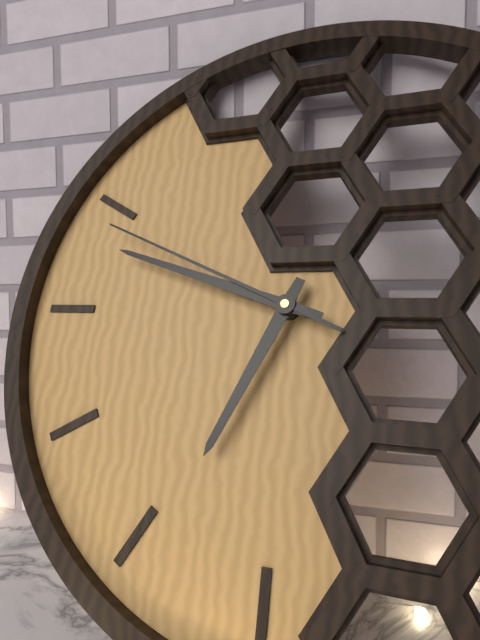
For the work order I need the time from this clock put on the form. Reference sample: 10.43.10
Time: 6.48.49
